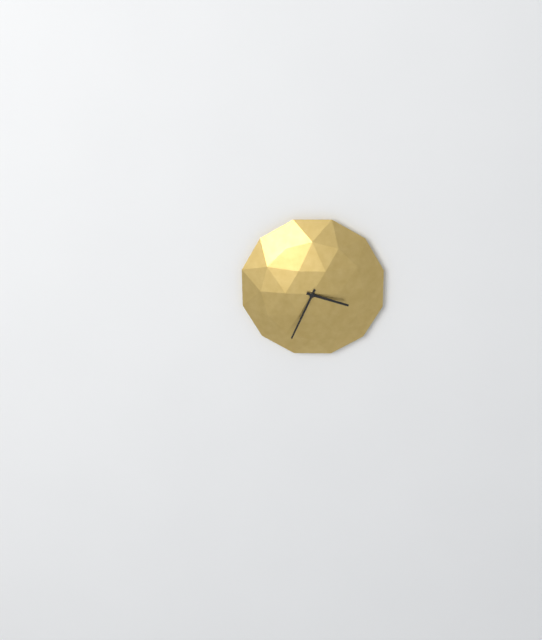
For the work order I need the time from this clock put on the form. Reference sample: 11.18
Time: 3.34
